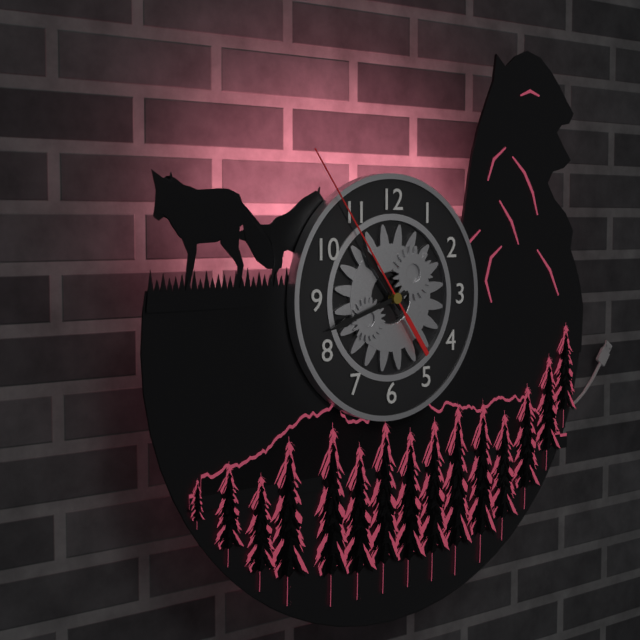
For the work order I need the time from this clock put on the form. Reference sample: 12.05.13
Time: 10.42.54
